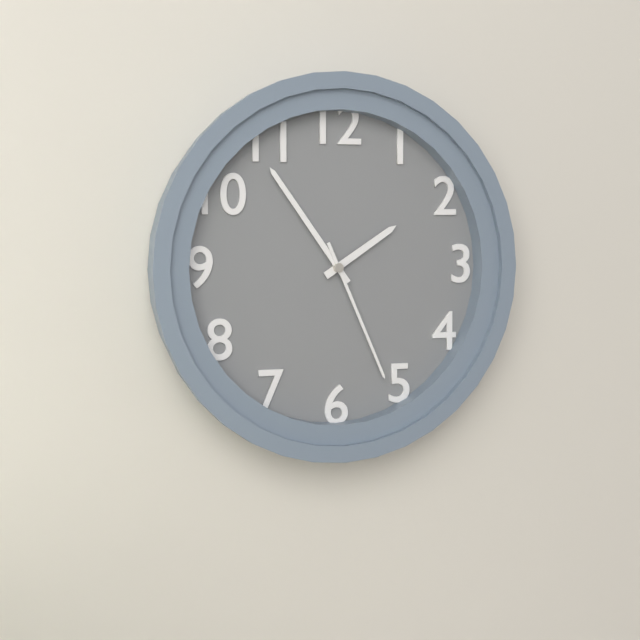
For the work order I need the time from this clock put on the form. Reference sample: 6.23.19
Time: 1.54.26
